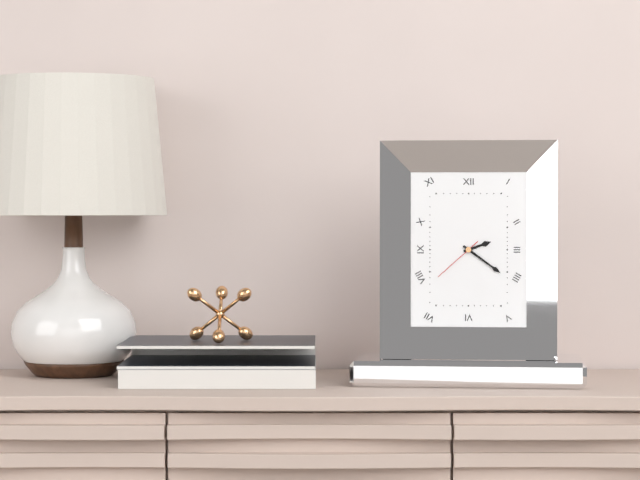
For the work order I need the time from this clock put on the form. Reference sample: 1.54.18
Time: 2.21.38
